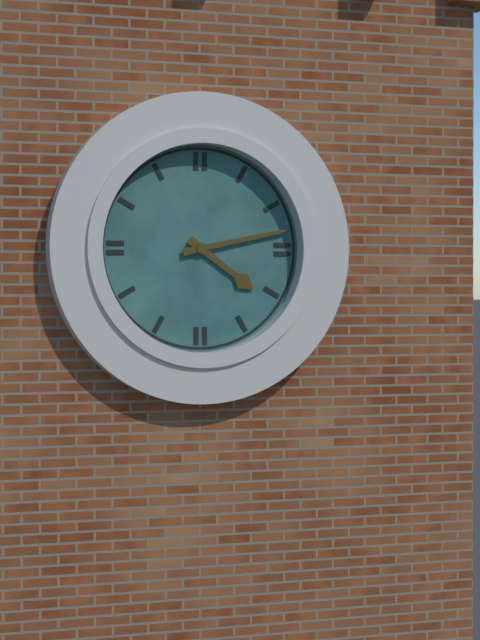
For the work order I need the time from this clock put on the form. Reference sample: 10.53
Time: 4.13
